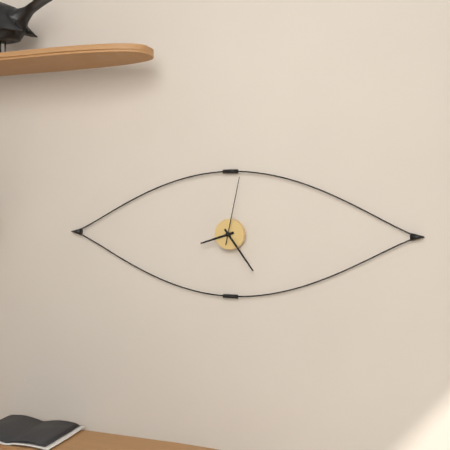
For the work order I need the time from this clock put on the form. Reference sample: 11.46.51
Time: 8.24.02
